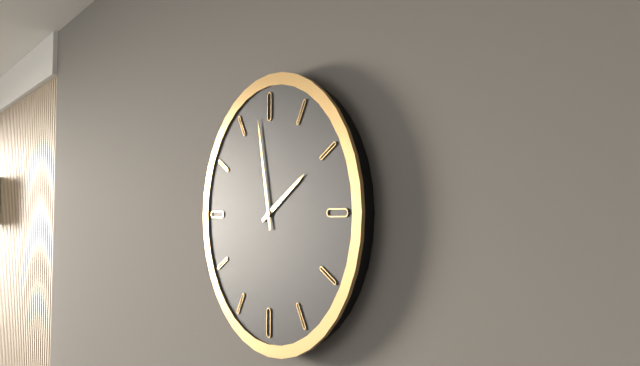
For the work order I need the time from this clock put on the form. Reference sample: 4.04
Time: 1.58
